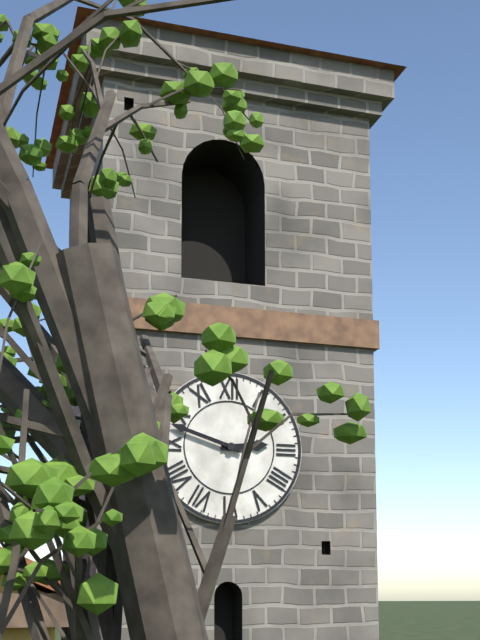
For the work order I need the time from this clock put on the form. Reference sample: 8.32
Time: 2.48
